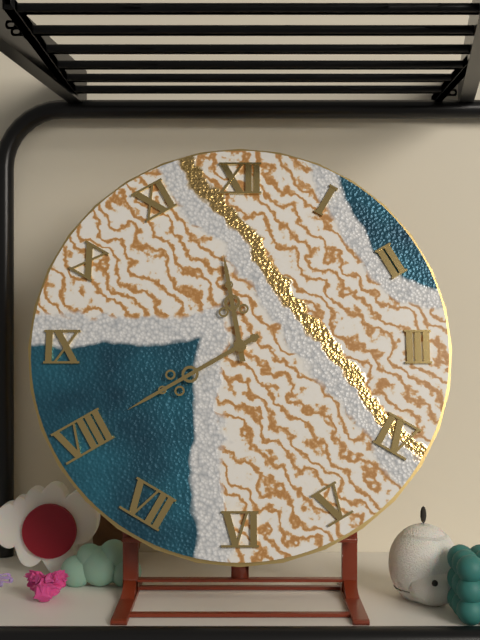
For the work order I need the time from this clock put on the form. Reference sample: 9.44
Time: 11.40
